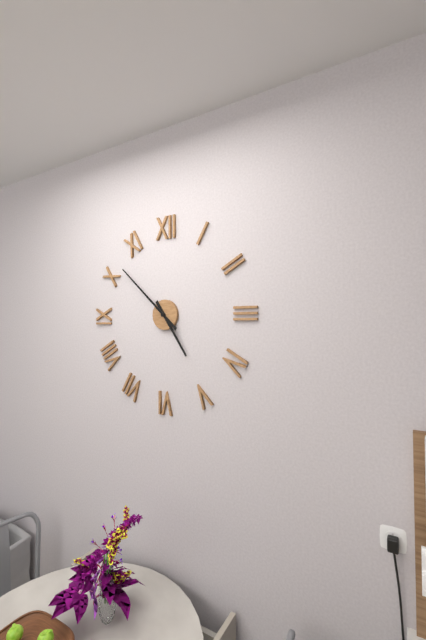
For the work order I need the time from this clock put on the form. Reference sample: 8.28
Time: 4.52
